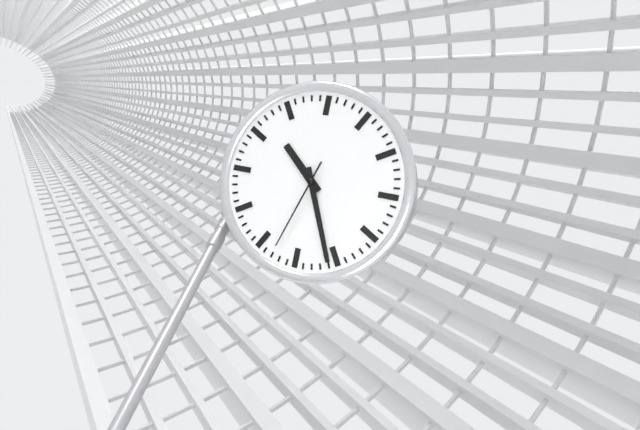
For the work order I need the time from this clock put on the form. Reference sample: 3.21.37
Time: 10.26.33
